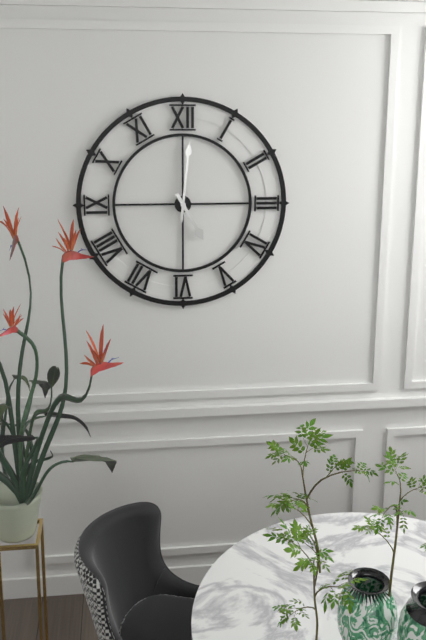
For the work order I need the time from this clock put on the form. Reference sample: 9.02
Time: 5.01
